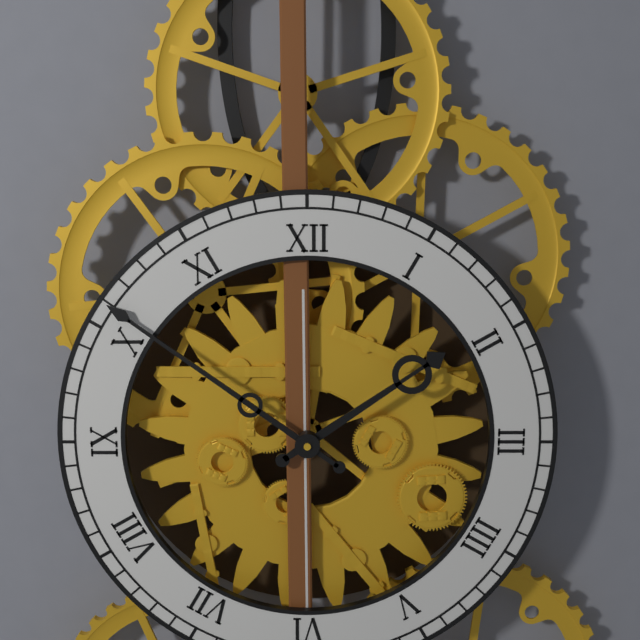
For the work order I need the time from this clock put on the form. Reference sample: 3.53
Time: 1.51
